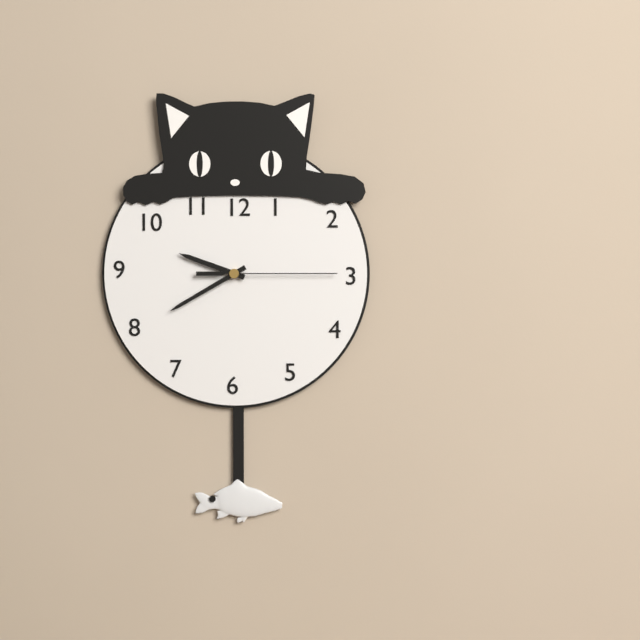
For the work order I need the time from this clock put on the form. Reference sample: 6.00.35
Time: 9.40.15
